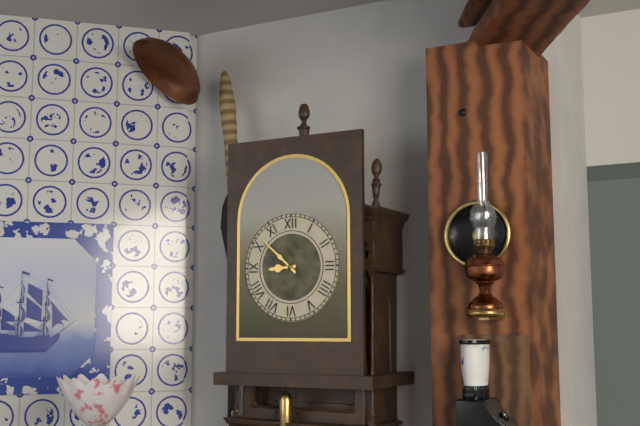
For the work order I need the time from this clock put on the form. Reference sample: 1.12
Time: 8.52
